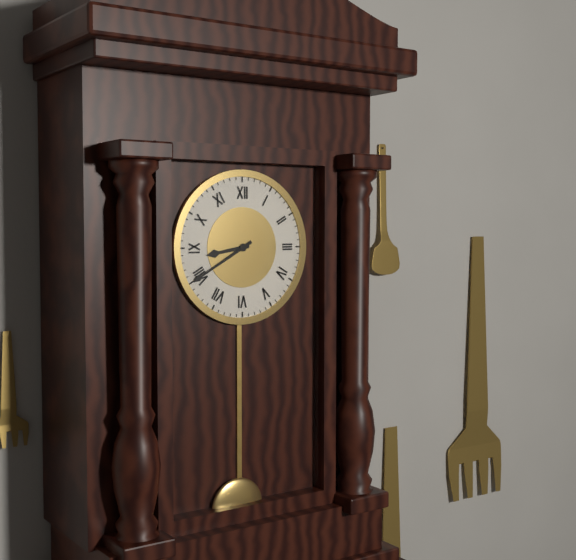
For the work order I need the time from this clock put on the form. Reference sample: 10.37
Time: 8.40
